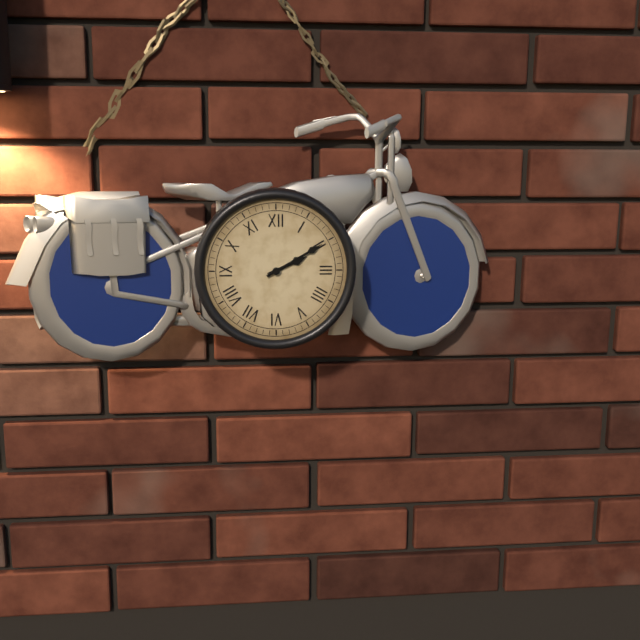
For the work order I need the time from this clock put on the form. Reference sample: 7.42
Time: 2.10
